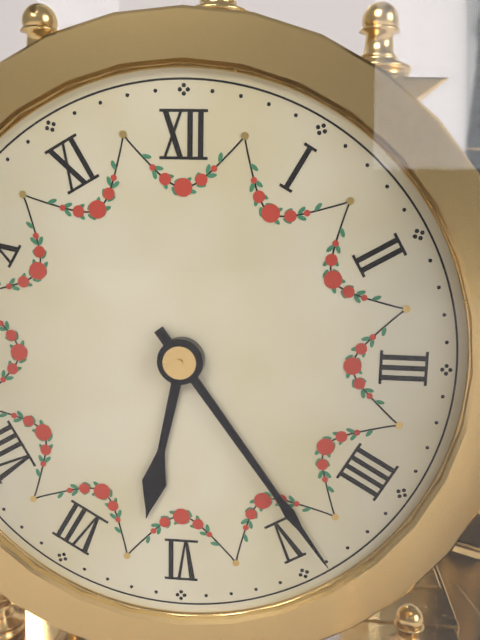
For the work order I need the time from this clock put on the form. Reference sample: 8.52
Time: 6.24
